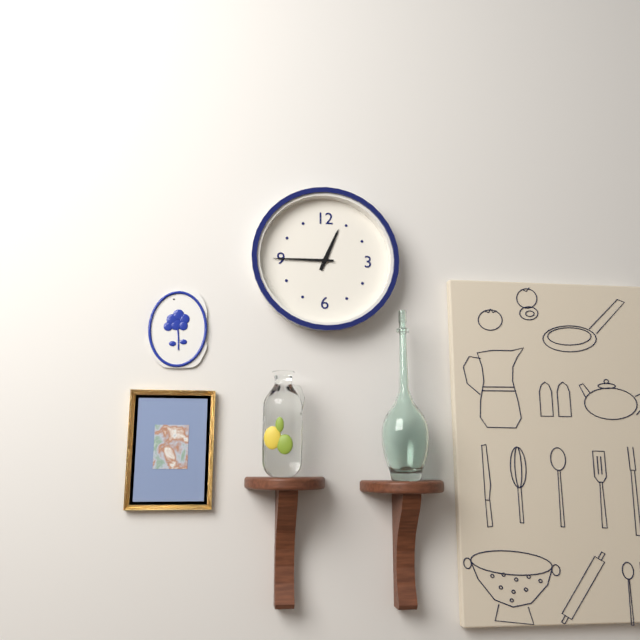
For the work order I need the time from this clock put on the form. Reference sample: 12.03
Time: 12.45
